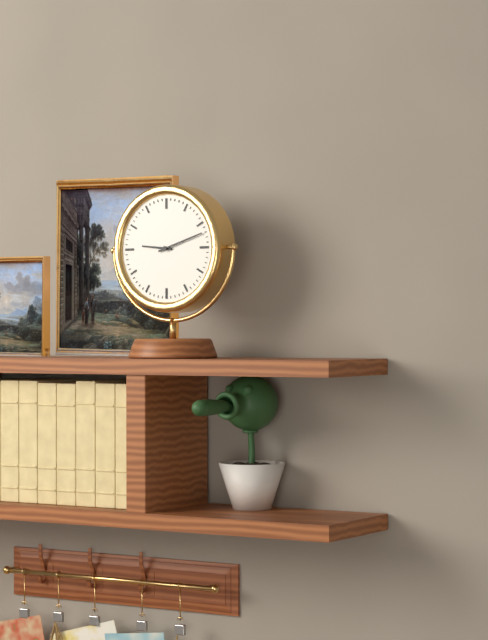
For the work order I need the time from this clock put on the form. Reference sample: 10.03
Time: 9.12
